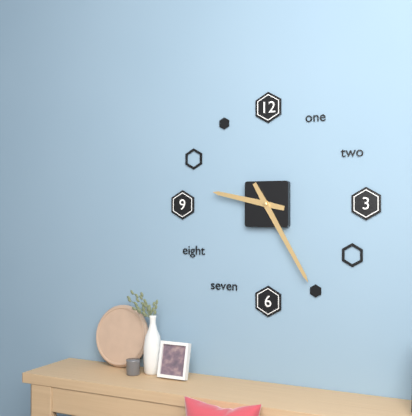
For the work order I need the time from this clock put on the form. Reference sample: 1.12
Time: 9.25
